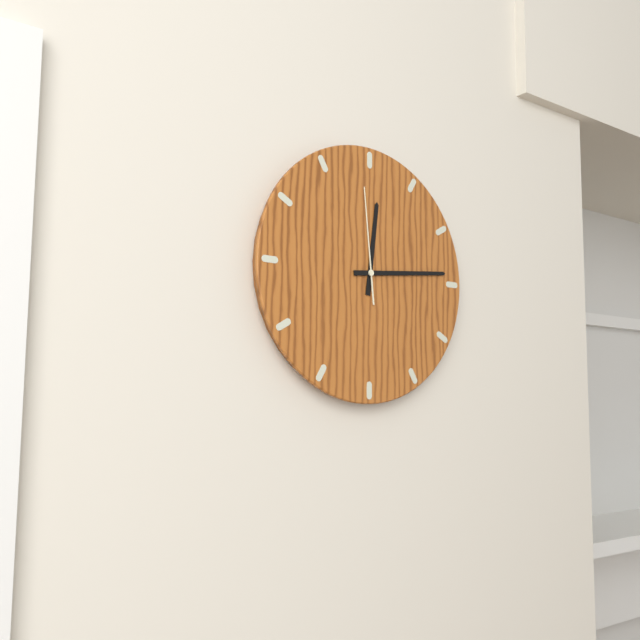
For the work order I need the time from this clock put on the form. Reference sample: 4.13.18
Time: 12.14.59
